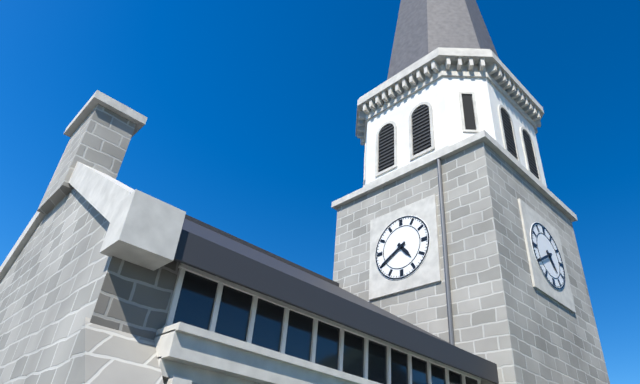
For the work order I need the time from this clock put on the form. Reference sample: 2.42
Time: 4.40
